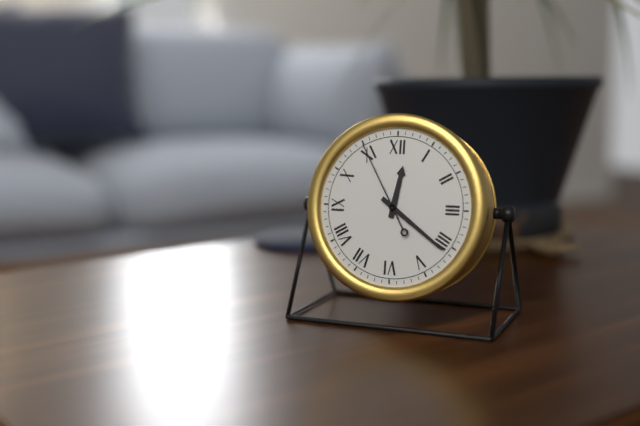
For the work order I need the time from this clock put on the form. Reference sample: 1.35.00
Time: 12.21.55
